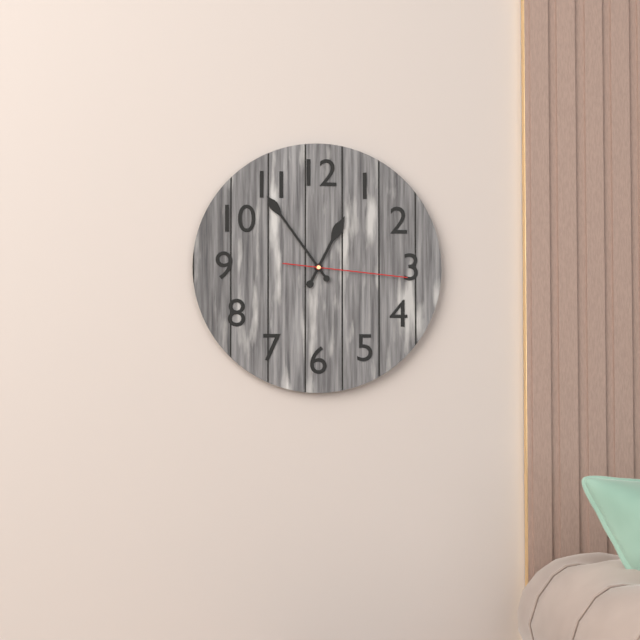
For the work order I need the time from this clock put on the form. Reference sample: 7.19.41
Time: 12.54.16
